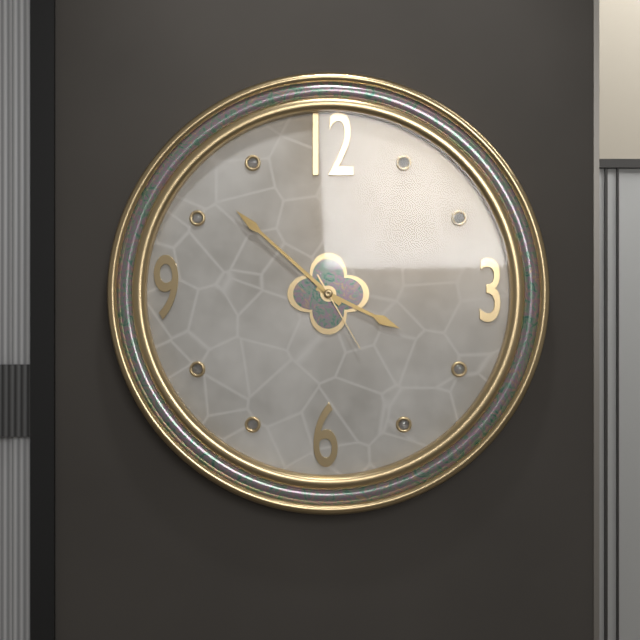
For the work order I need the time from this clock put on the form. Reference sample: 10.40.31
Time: 3.52.25
